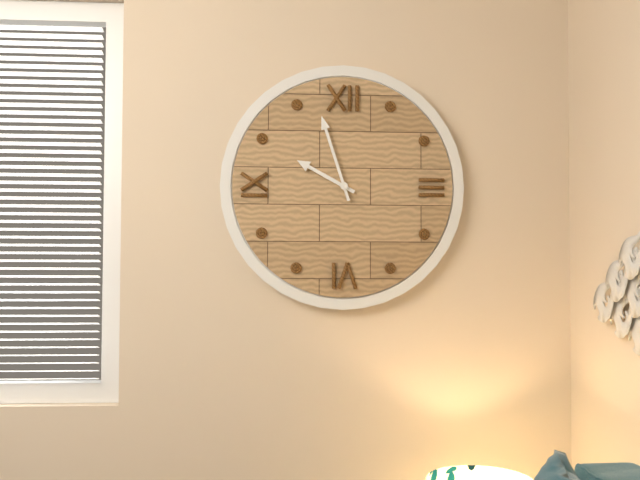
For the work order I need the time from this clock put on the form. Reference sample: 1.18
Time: 9.57
